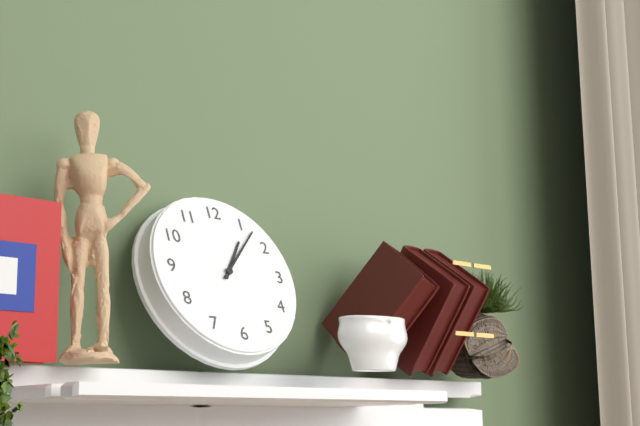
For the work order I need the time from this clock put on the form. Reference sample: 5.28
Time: 1.07
